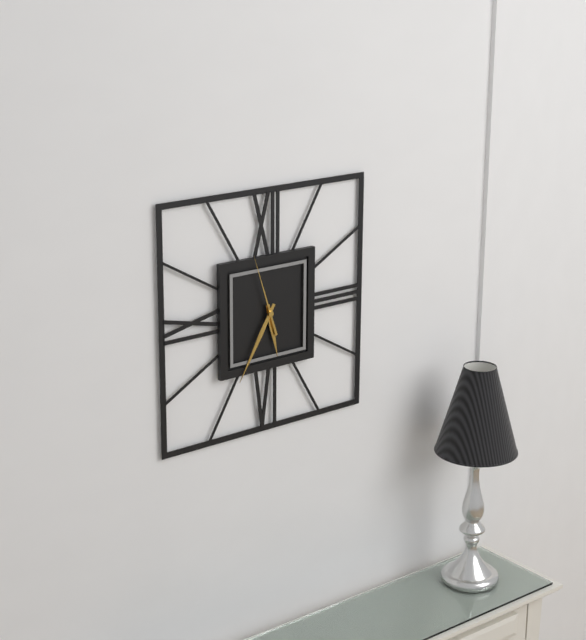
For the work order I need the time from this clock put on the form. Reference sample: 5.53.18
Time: 5.35.57
